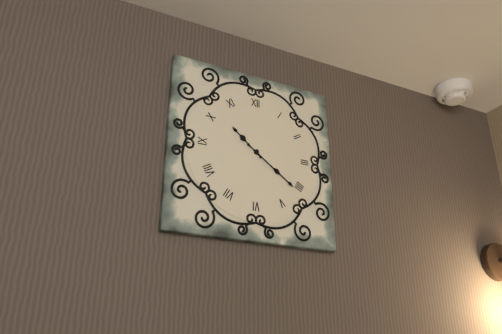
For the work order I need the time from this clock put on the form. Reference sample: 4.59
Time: 10.21
